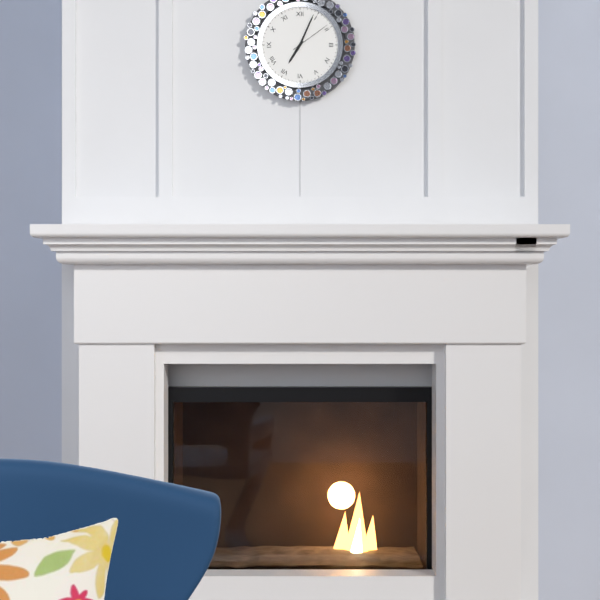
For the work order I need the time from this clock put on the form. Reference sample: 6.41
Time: 7.04
